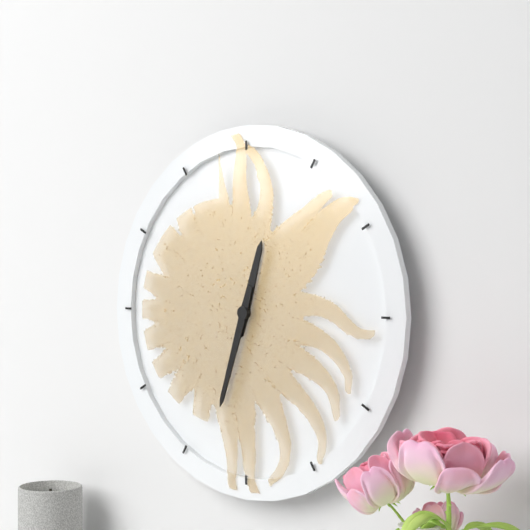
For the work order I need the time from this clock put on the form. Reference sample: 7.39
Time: 12.33
